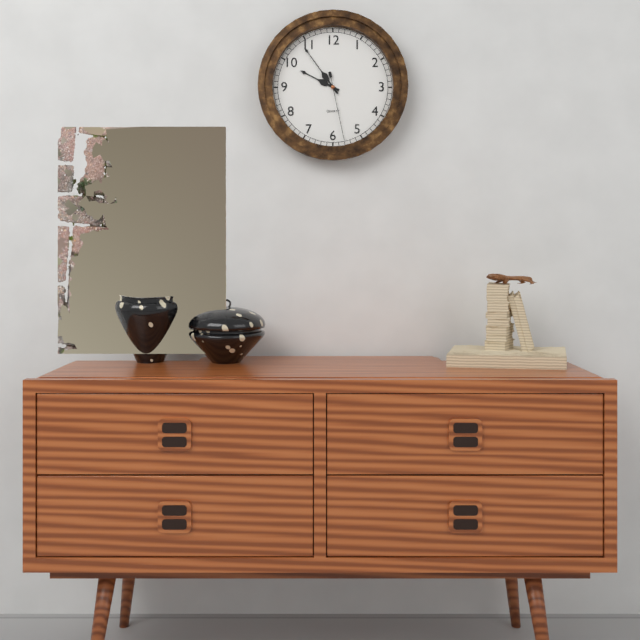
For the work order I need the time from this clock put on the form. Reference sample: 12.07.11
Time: 9.54.28
